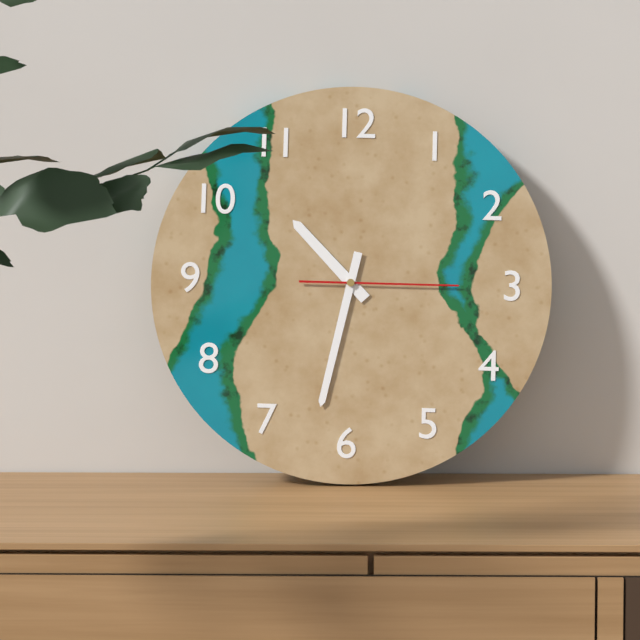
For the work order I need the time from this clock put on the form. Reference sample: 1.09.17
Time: 10.32.15
